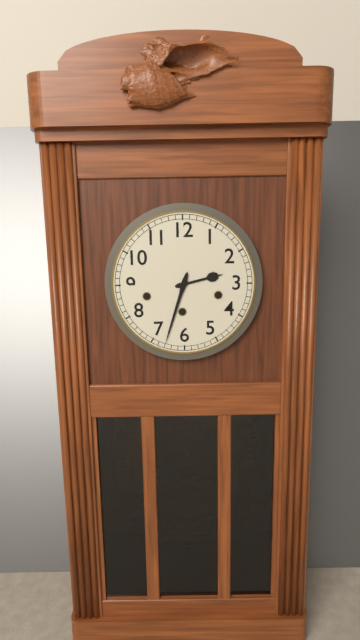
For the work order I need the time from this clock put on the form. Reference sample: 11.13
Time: 2.33
